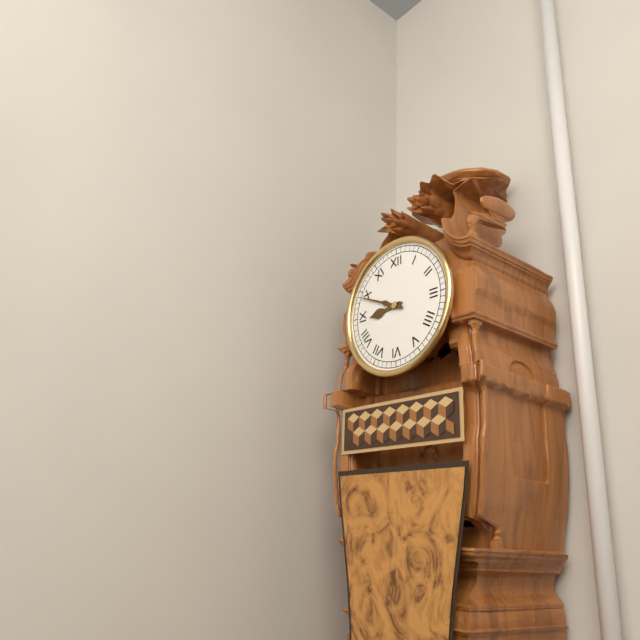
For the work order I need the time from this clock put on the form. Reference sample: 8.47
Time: 8.49
